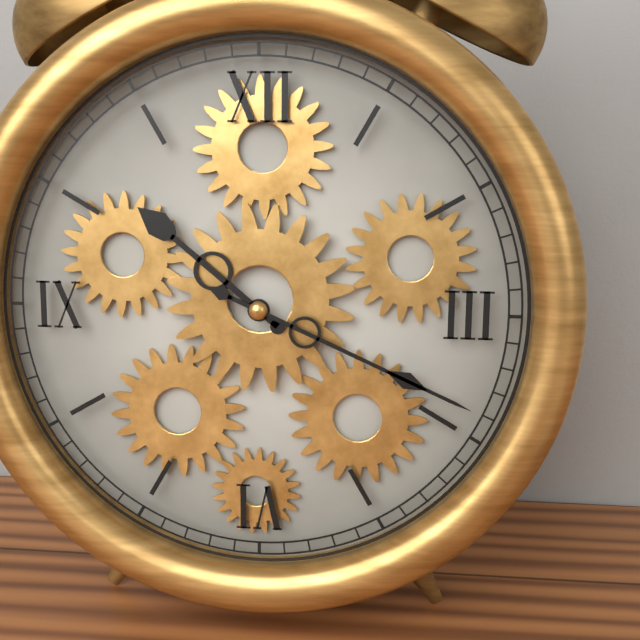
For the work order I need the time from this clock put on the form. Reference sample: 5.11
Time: 10.19
